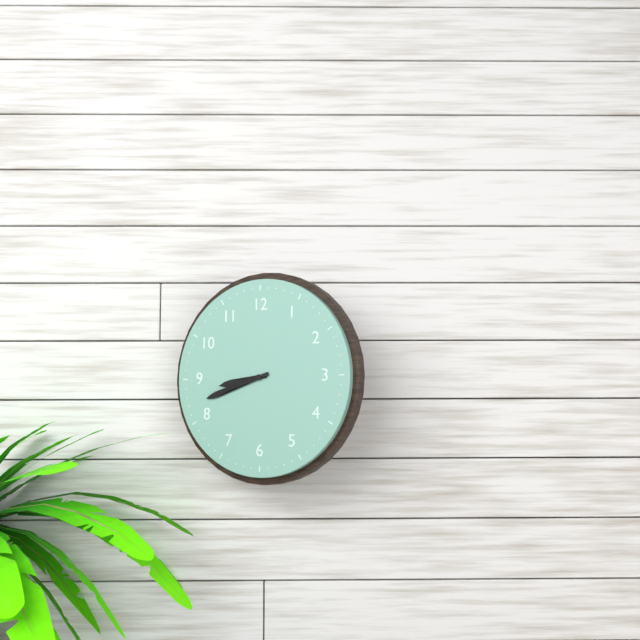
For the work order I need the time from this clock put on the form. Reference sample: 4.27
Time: 8.42
